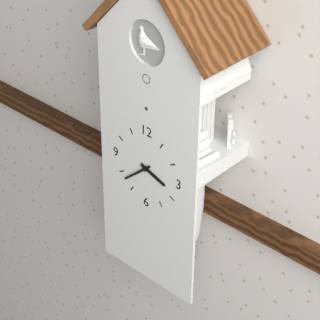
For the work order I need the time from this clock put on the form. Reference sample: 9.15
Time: 3.38
